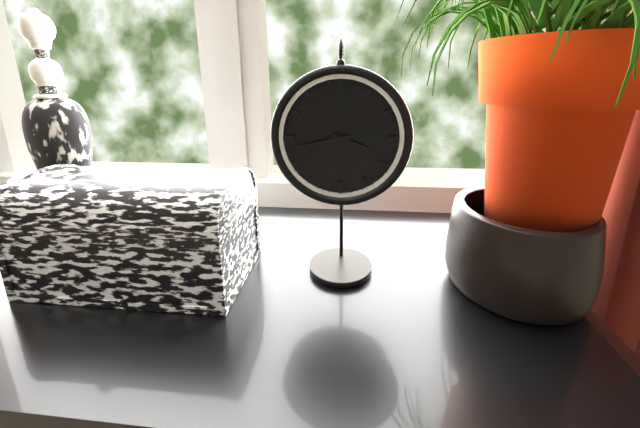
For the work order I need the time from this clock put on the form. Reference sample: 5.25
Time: 3.43
